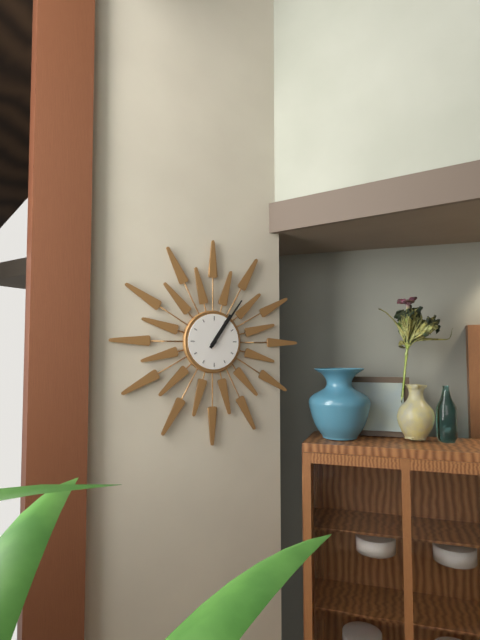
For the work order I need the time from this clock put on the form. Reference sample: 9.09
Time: 1.06
